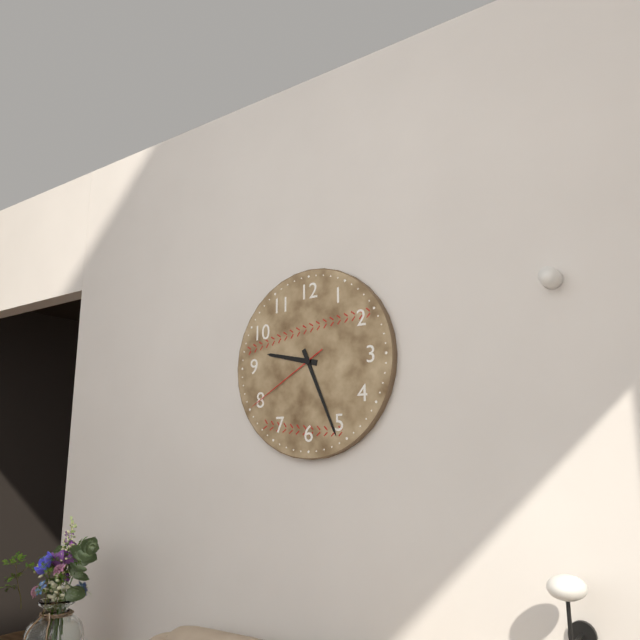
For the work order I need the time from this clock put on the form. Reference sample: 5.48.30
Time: 9.26.40
